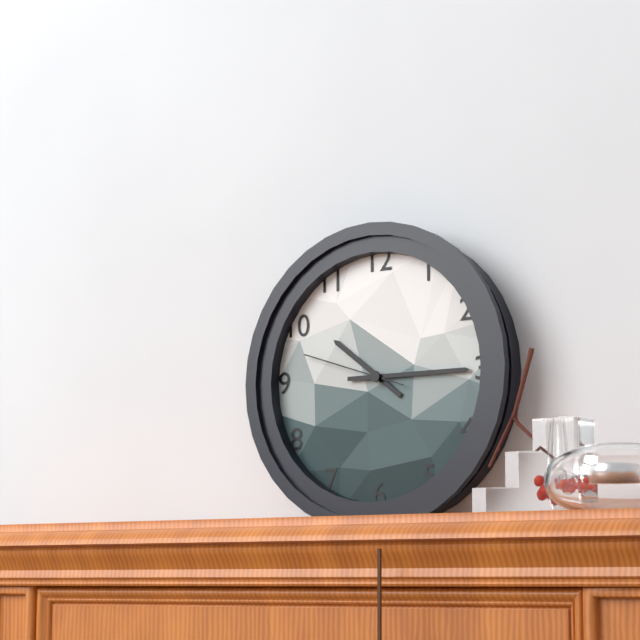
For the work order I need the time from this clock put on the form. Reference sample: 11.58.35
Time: 10.15.48
